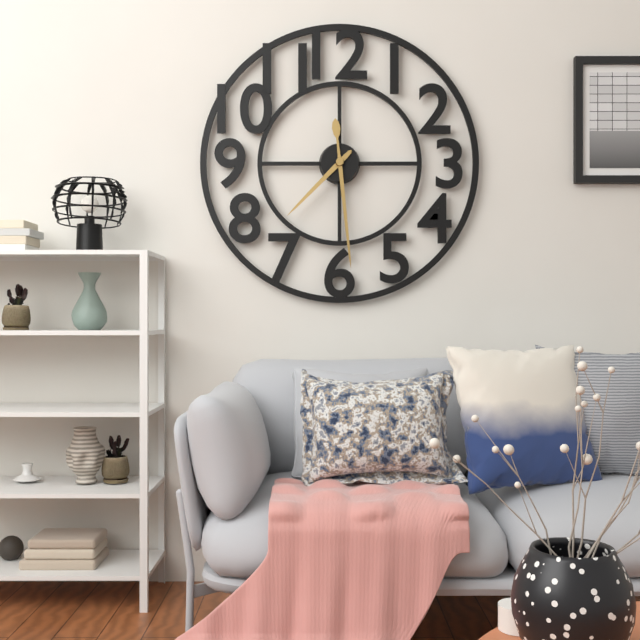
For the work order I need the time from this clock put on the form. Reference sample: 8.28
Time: 7.29
